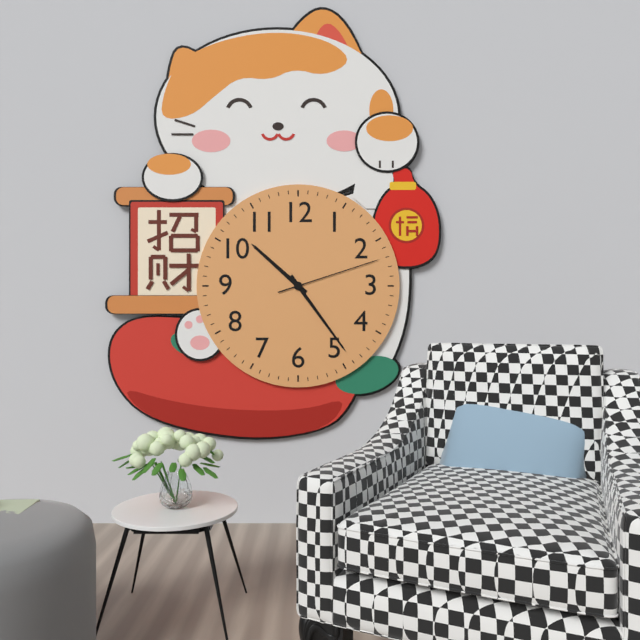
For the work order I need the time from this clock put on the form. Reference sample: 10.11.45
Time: 10.24.12
